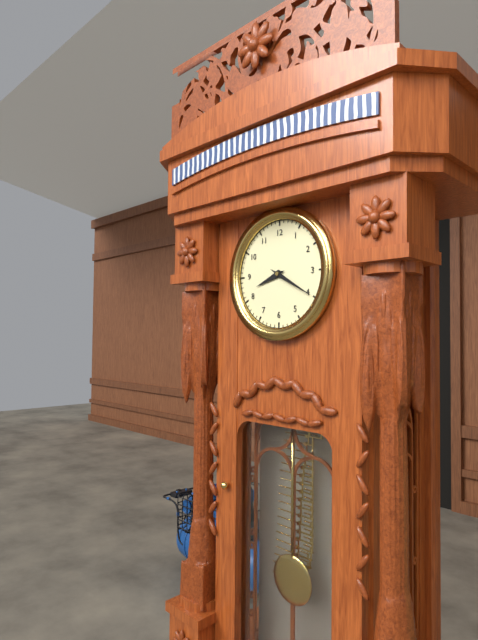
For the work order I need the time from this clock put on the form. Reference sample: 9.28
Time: 8.20
